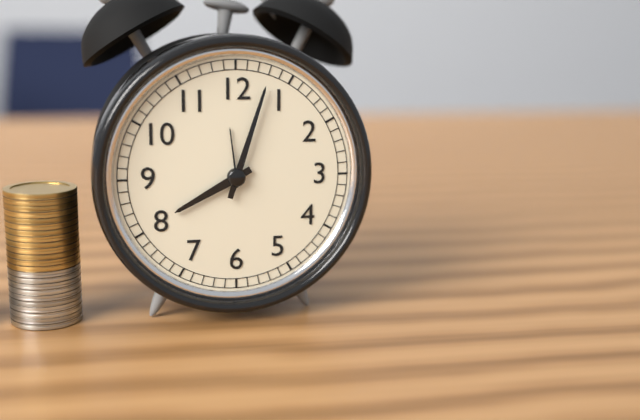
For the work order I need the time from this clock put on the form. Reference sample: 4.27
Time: 8.03
